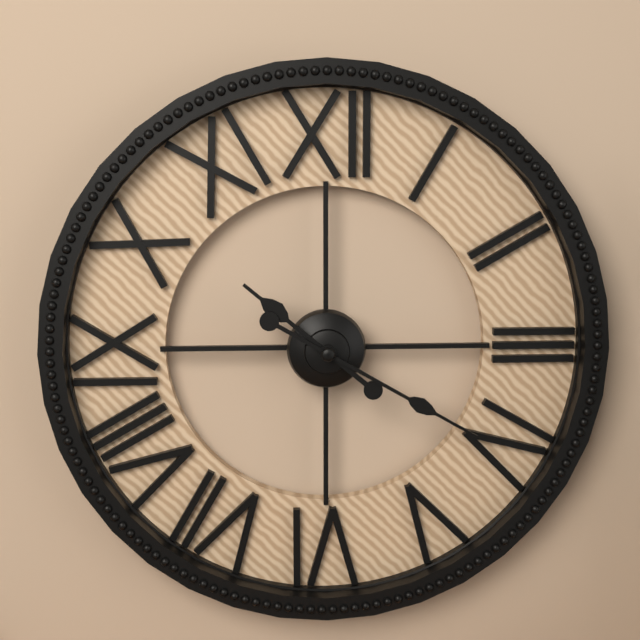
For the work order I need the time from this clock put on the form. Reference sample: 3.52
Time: 10.20
